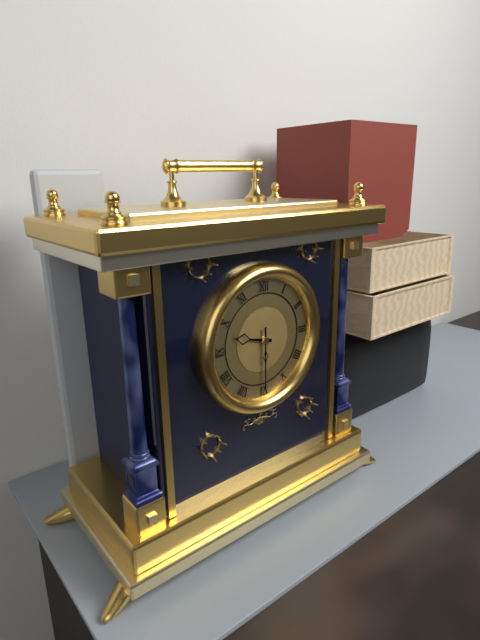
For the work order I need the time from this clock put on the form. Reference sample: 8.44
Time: 9.30
